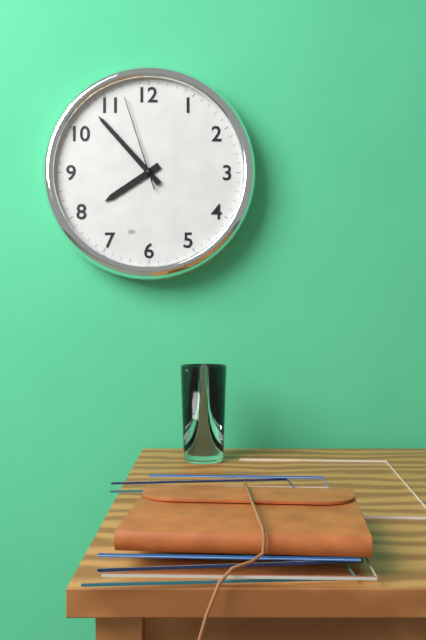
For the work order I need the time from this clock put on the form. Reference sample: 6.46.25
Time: 7.53.57
